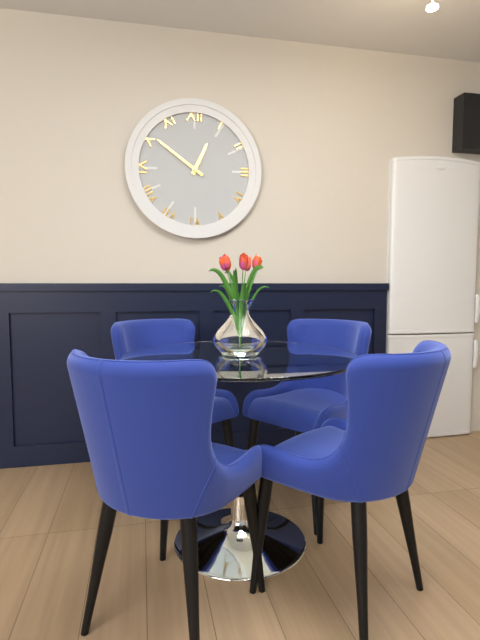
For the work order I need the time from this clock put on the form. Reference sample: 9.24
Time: 12.51
